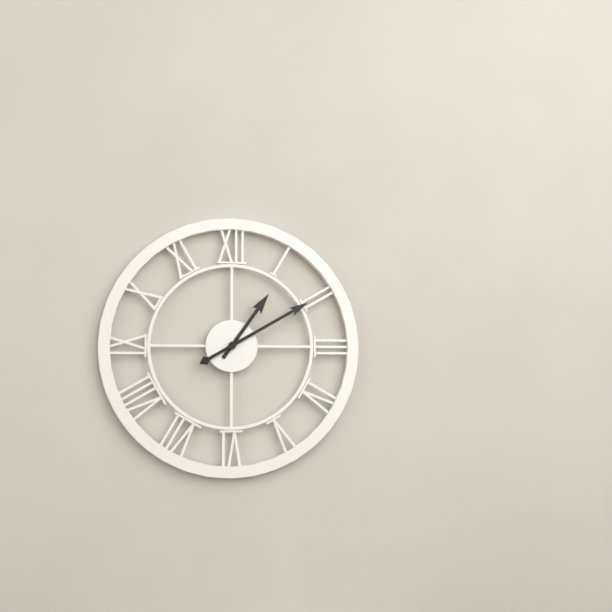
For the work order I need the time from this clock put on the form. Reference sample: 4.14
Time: 1.10
